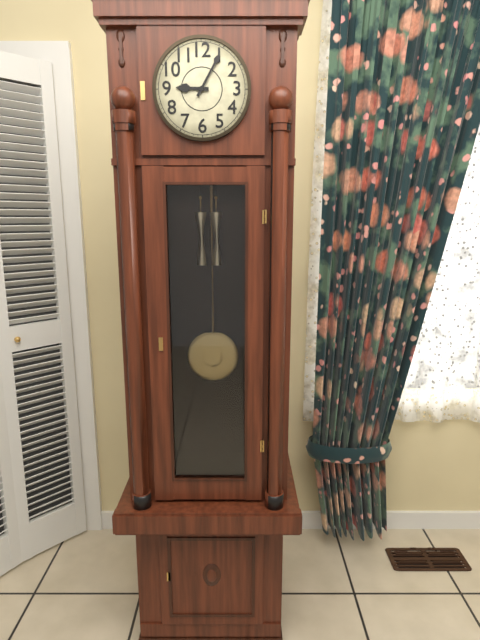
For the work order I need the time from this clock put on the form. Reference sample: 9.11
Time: 9.05
